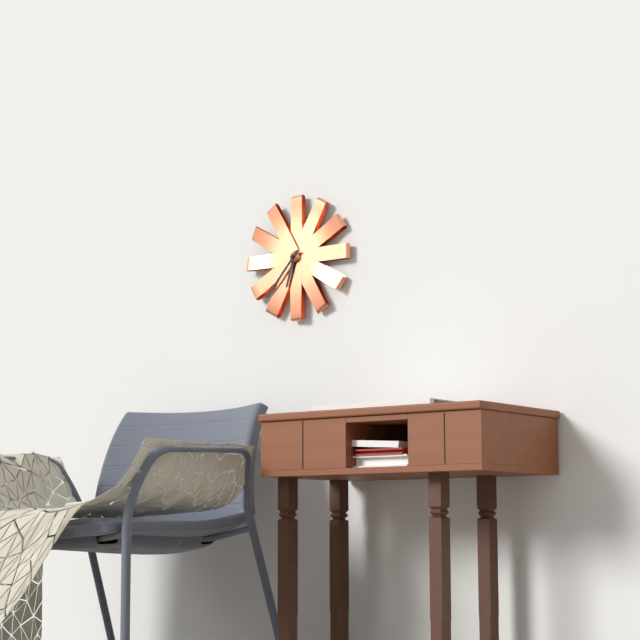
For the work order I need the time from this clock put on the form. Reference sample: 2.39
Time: 6.37
